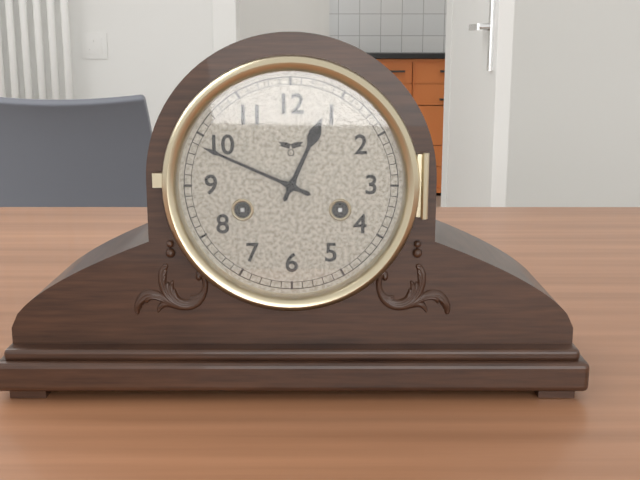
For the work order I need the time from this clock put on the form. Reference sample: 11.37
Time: 12.49
